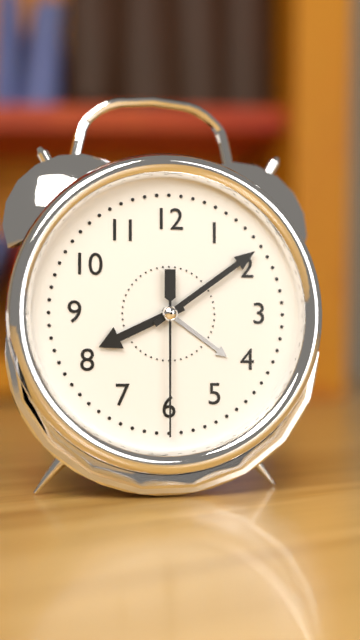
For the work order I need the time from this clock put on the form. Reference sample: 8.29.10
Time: 8.09.30
